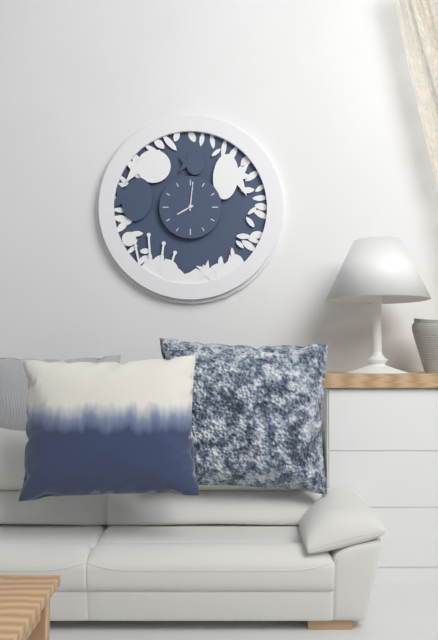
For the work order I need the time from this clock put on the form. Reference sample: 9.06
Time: 8.01
